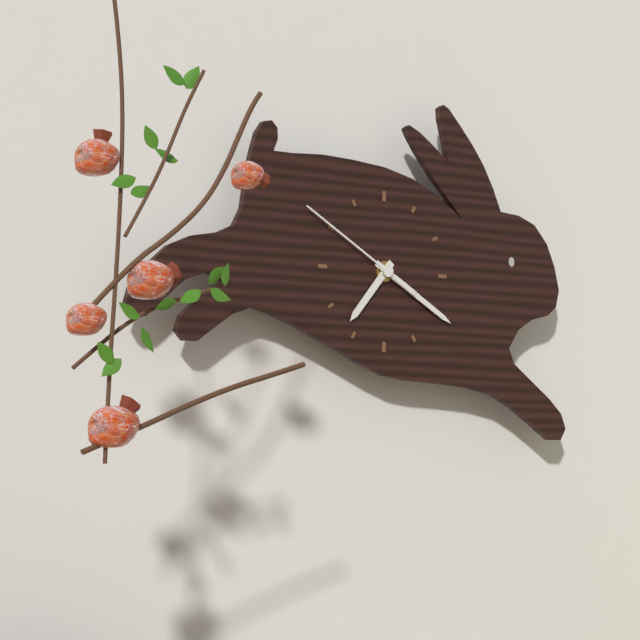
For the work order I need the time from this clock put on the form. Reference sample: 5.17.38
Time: 7.20.50
